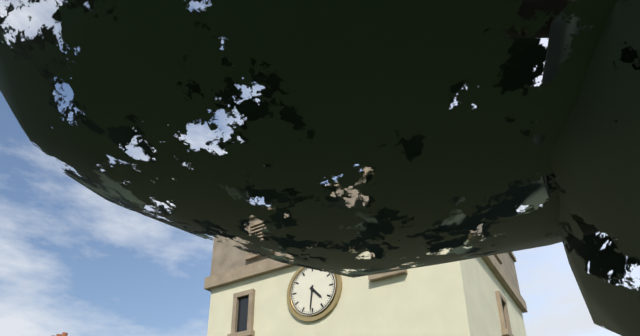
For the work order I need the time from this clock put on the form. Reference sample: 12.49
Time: 4.31
